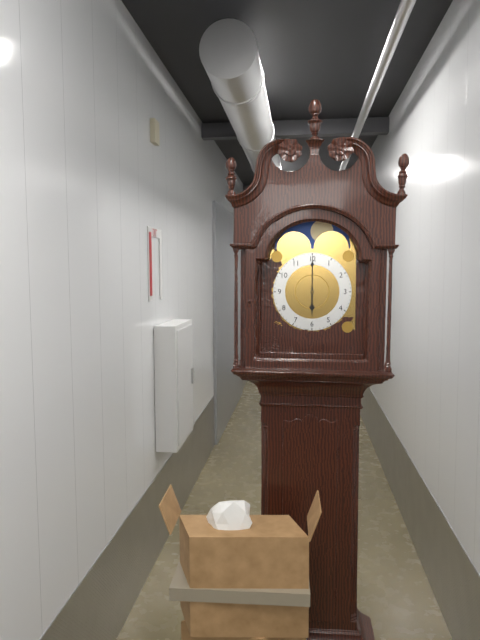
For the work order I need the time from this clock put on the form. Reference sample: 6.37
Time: 6.00
